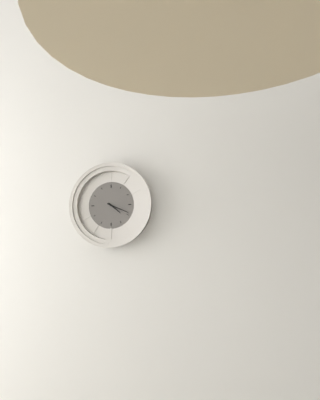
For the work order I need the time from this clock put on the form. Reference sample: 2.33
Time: 4.19
